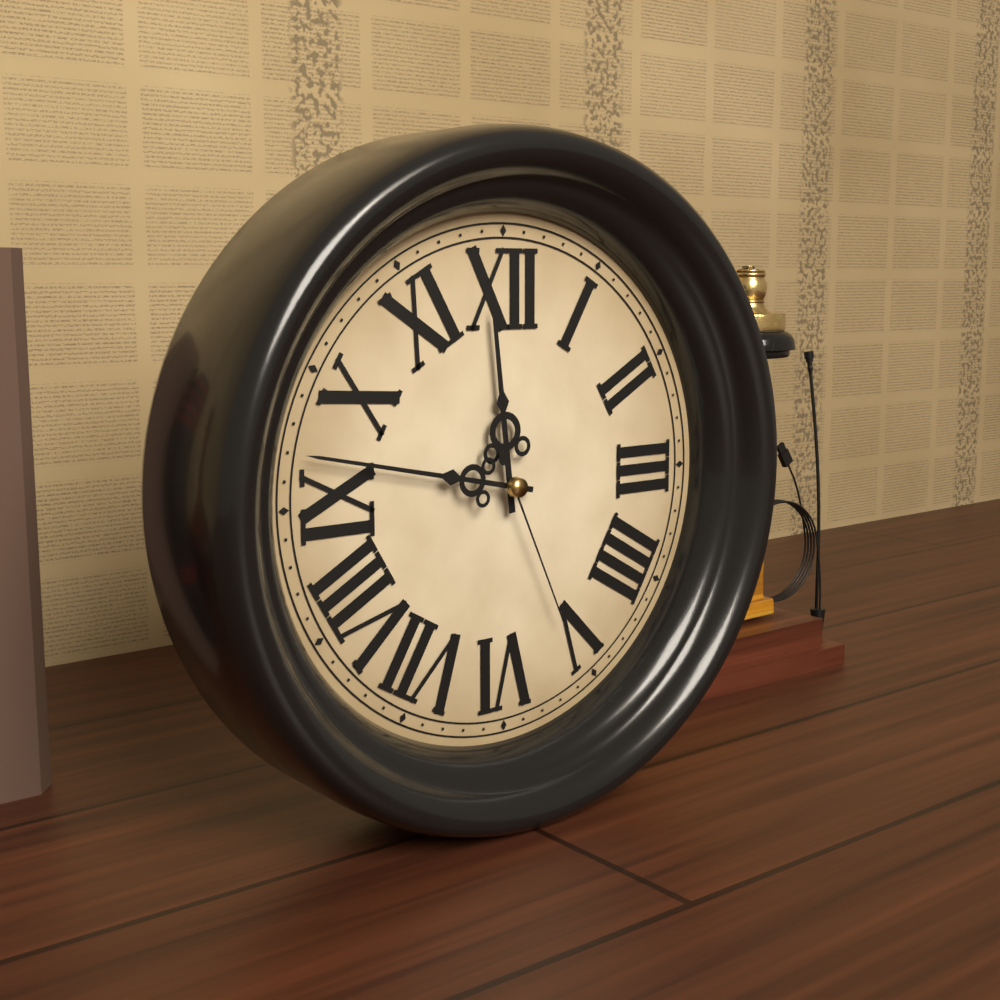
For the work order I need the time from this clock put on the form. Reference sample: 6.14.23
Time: 11.47.26
